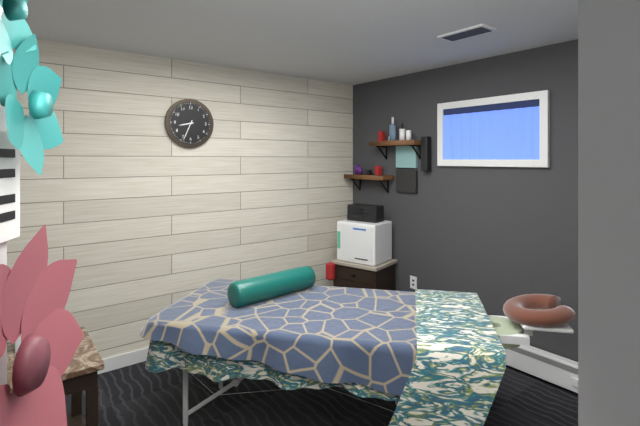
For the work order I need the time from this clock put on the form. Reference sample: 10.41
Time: 8.34
